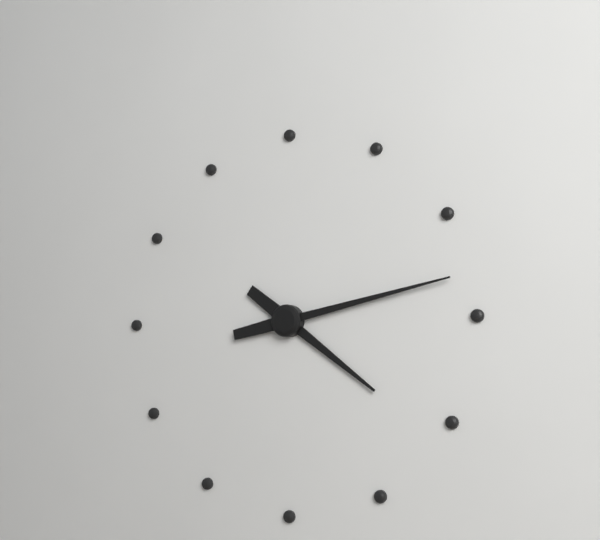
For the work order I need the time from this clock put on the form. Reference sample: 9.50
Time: 4.13
